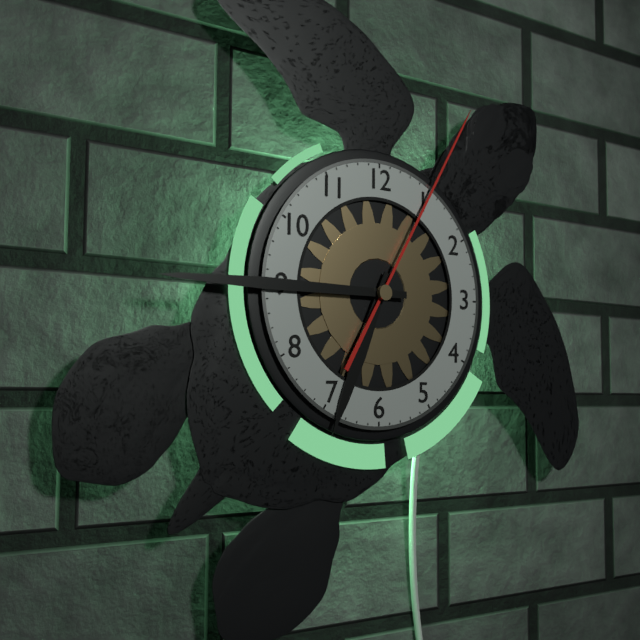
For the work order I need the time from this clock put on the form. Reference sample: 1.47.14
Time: 6.45.05
